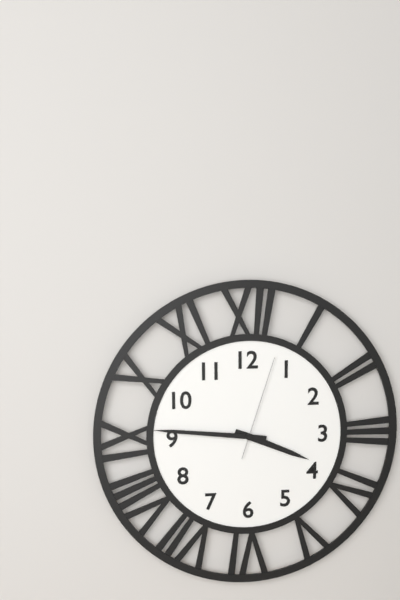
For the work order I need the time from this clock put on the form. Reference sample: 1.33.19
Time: 3.46.03
